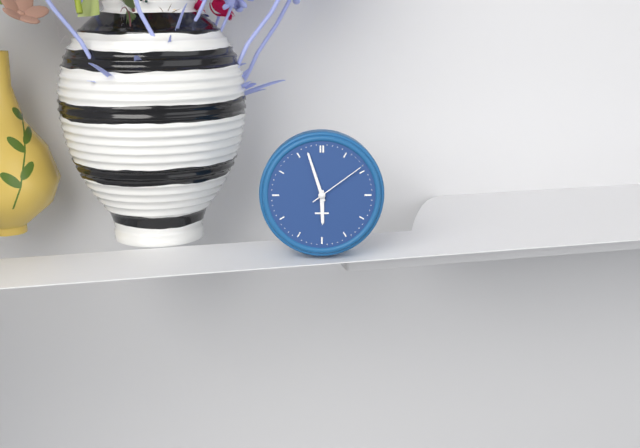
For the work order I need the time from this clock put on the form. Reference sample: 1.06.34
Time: 5.57.09
